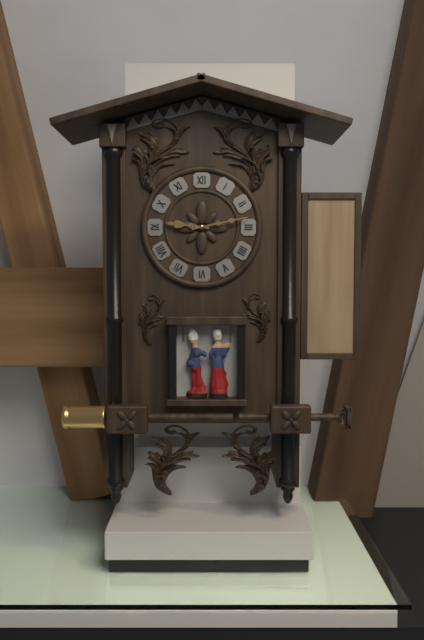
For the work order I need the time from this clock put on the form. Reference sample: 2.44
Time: 9.13
